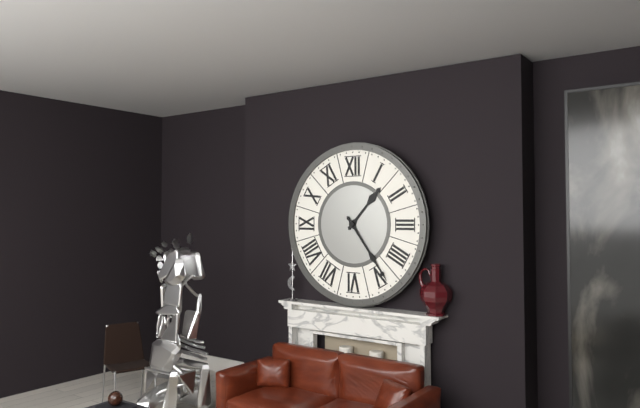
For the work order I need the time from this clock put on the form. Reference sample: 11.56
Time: 1.24
